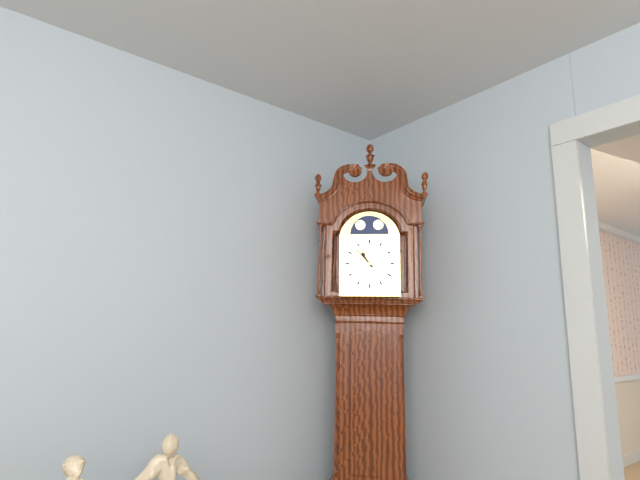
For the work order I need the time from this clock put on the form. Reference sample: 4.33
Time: 10.53
